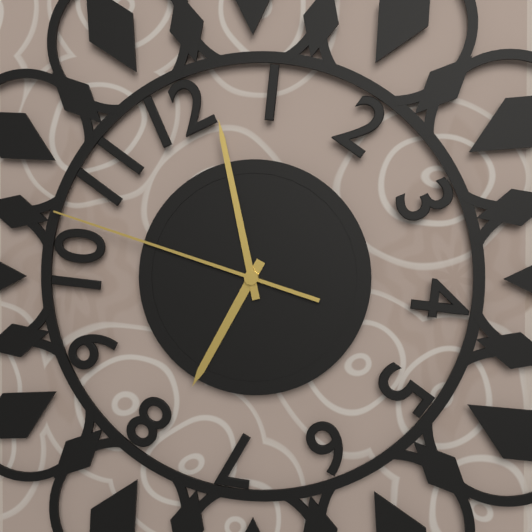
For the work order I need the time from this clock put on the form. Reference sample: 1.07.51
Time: 6.58.48
